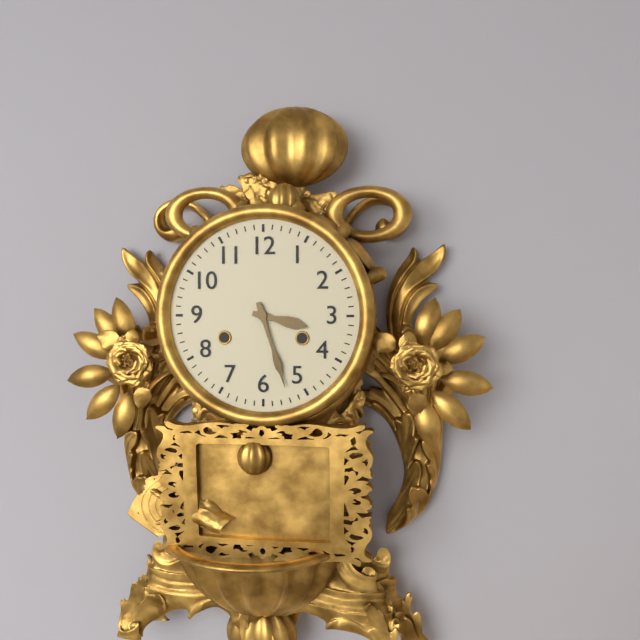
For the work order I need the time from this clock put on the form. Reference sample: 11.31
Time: 3.27
